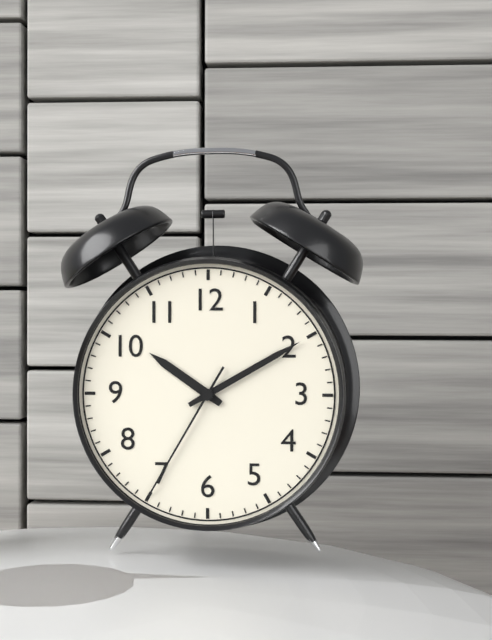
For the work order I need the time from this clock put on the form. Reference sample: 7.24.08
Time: 10.10.35
